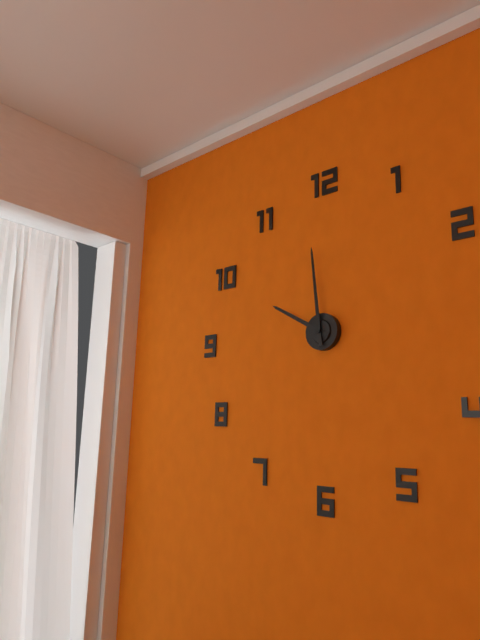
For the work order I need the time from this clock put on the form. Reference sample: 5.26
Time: 9.59
